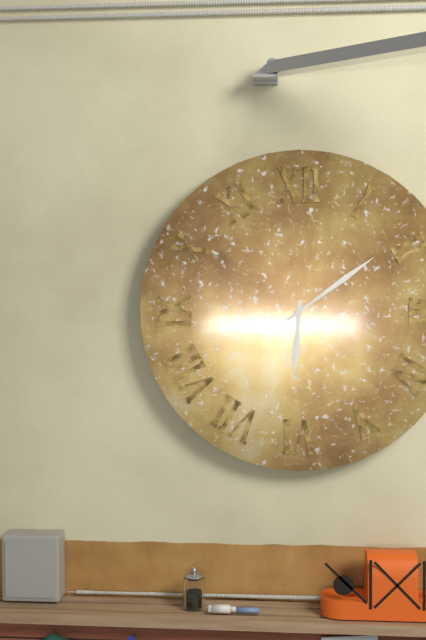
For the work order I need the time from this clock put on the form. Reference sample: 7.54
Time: 6.09
